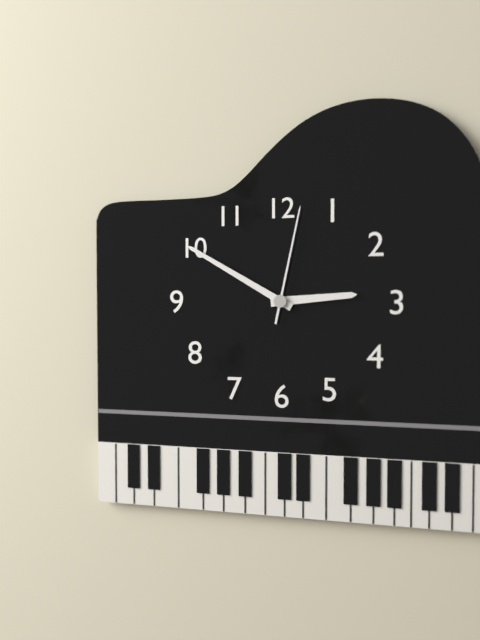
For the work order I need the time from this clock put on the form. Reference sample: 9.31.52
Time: 2.50.02
